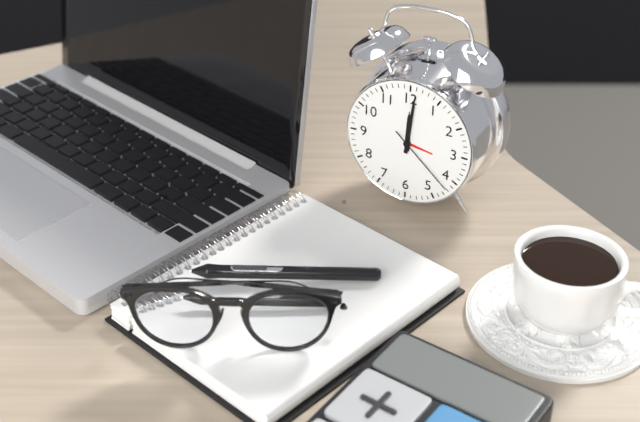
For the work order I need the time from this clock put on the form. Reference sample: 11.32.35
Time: 12.01.22
